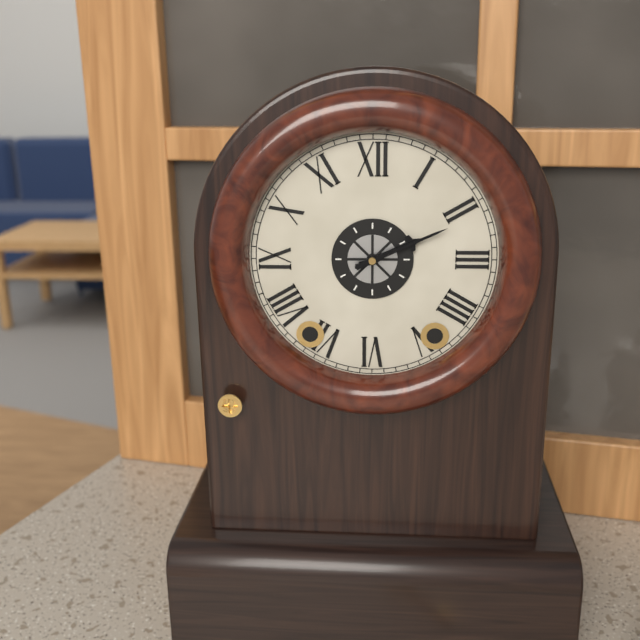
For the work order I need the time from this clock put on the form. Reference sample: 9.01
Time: 2.11
